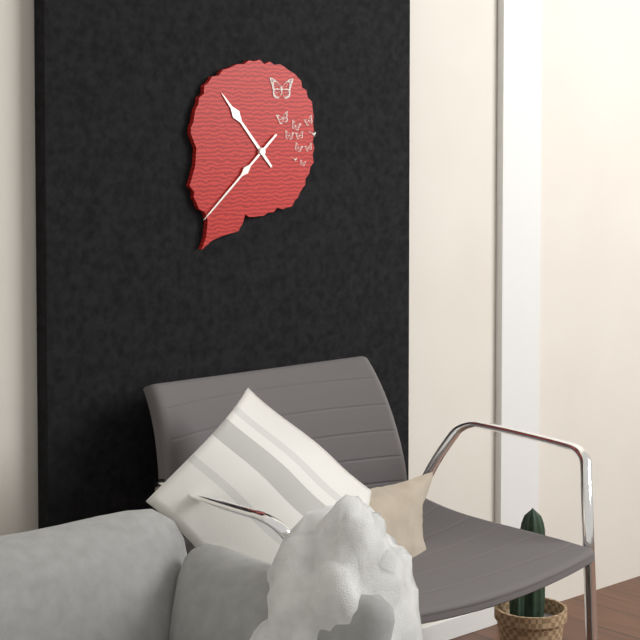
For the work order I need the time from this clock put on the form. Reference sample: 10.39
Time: 10.38
